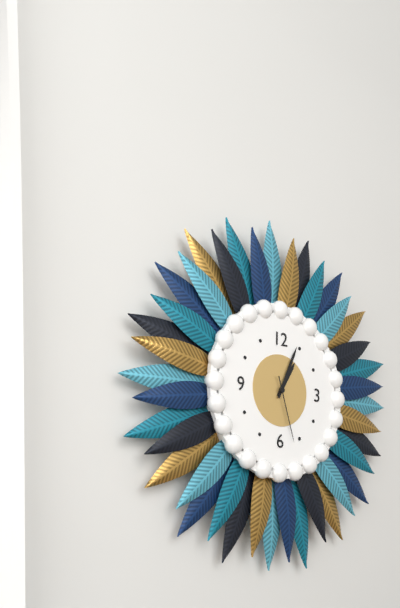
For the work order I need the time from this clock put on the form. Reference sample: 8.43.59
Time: 1.04.27
